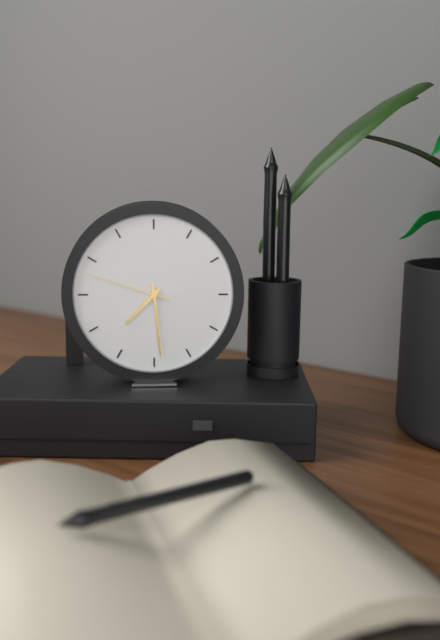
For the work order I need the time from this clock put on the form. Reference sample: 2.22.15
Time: 7.29.48
